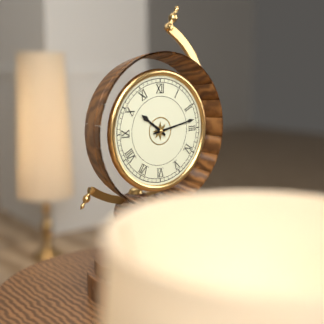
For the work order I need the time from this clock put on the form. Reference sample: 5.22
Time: 10.13
